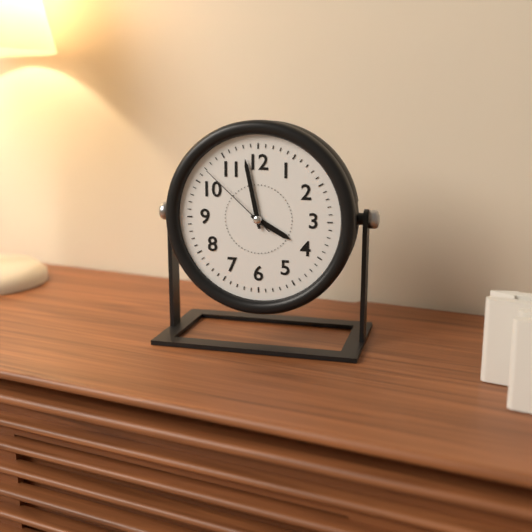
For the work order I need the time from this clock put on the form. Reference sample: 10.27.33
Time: 3.58.52
